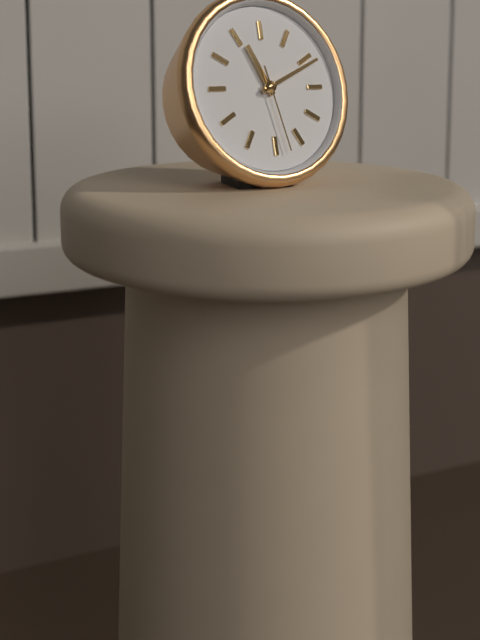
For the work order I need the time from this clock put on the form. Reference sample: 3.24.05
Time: 11.11.28
